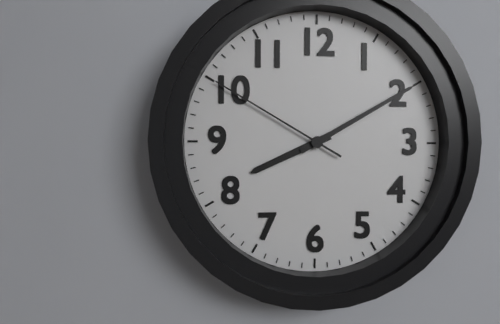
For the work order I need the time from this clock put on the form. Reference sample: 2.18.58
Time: 8.10.50
